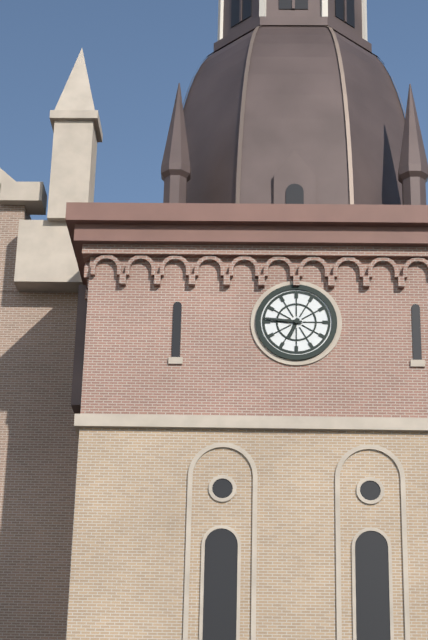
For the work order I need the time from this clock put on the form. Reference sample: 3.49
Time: 6.46
